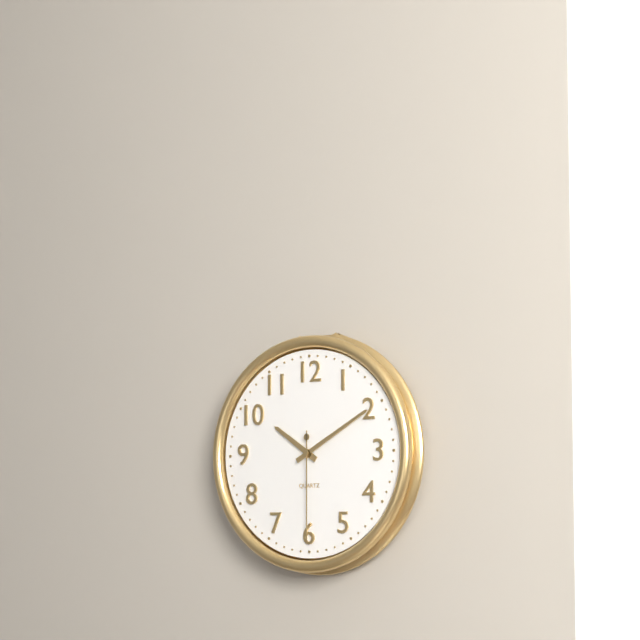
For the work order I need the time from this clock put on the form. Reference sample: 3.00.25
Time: 10.10.30
